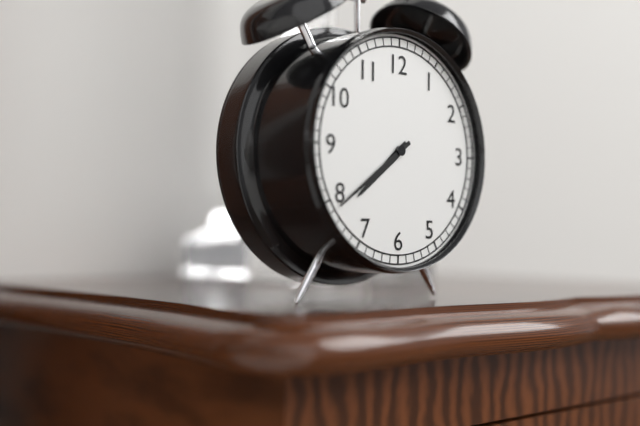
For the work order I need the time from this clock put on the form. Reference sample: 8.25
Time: 7.39
